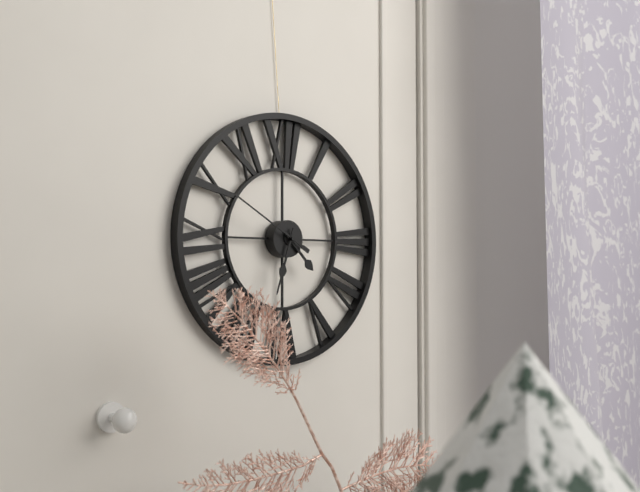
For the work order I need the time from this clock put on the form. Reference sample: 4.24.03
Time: 4.33.50
